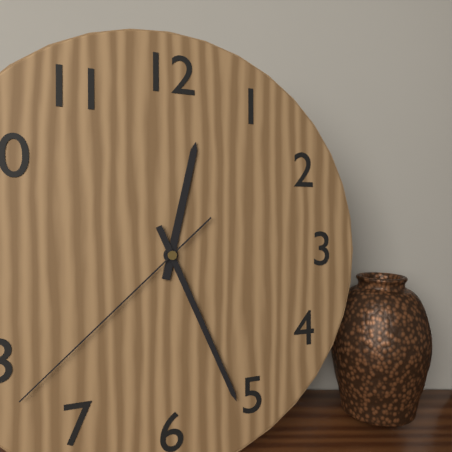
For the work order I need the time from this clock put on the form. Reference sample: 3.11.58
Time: 12.26.38
